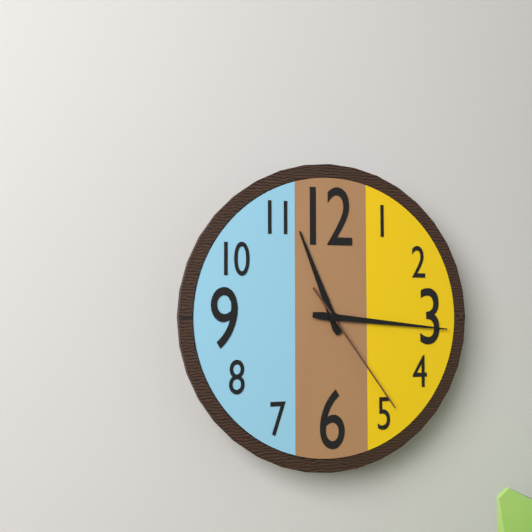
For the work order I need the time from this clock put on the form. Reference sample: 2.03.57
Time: 11.16.24
